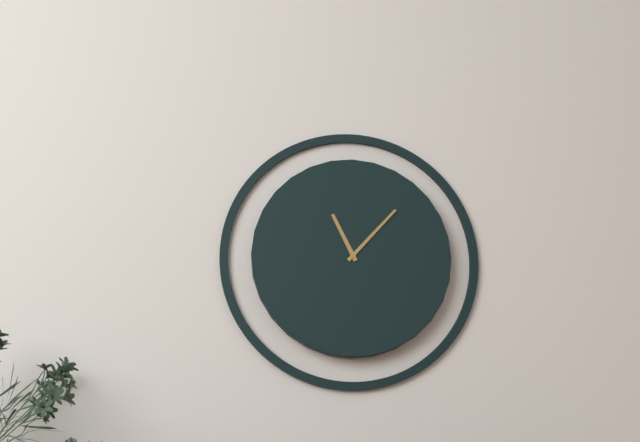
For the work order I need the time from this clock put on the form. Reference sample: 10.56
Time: 11.07
